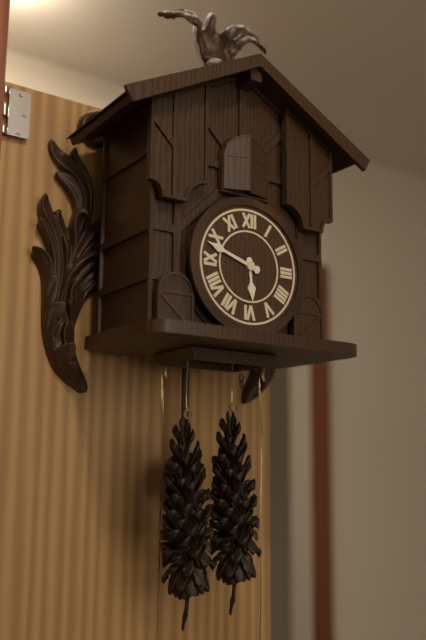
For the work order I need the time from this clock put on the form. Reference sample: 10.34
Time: 5.48
